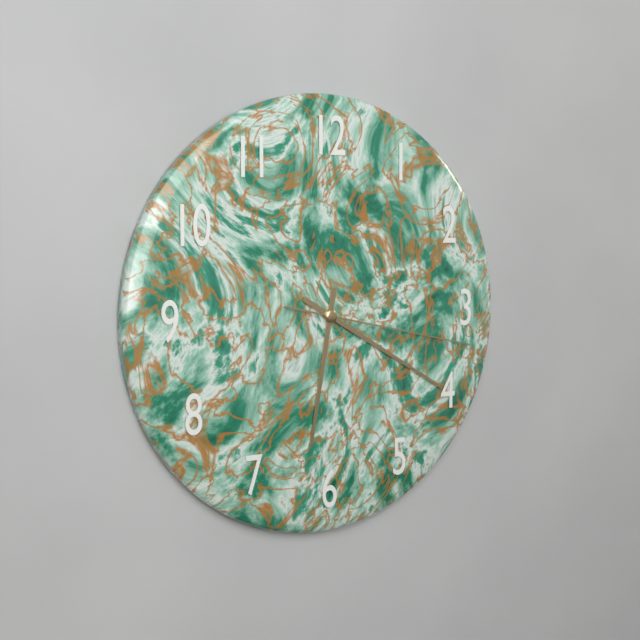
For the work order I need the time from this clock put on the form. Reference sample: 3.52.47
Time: 6.20.17
